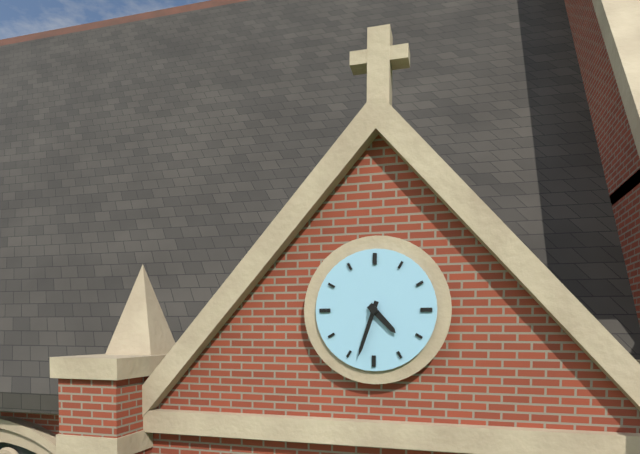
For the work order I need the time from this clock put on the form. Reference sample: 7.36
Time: 4.33
